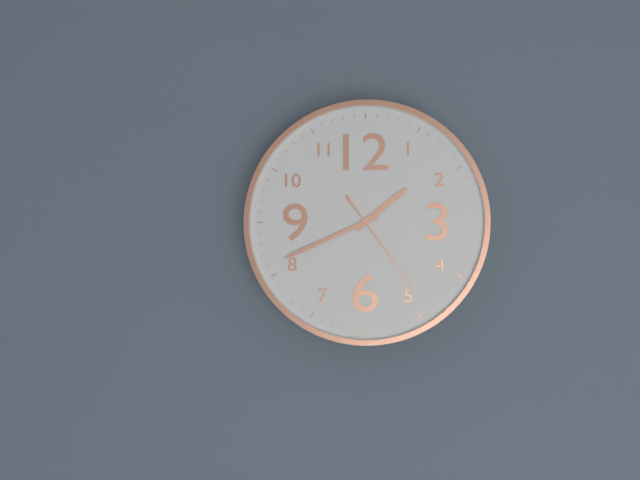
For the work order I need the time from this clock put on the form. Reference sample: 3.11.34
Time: 1.41.24
